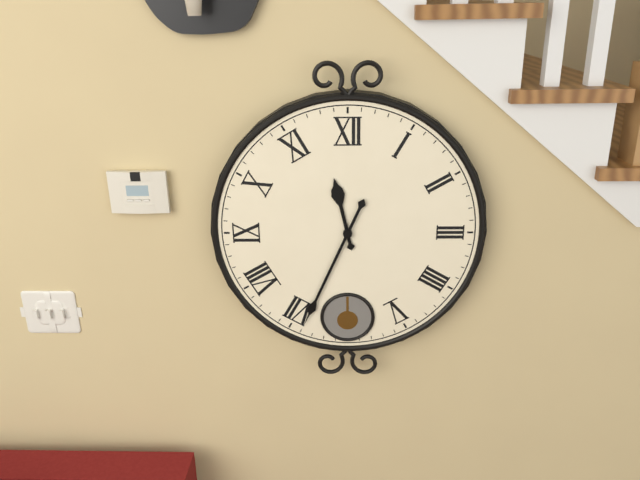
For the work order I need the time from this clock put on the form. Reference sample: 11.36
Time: 11.34
